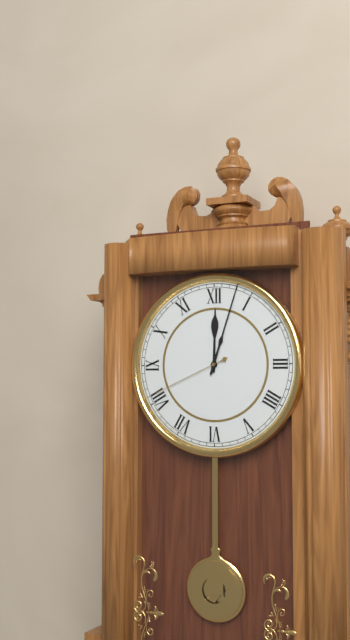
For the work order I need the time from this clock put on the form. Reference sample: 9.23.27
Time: 12.03.41
